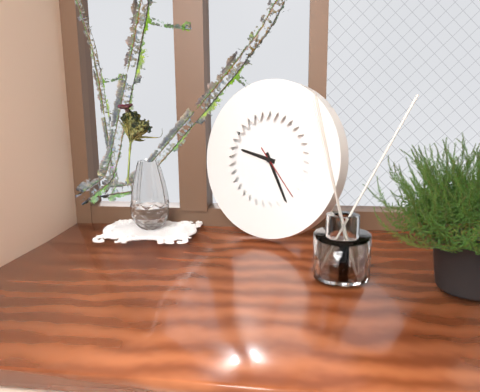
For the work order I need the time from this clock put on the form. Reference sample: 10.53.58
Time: 9.25.23
